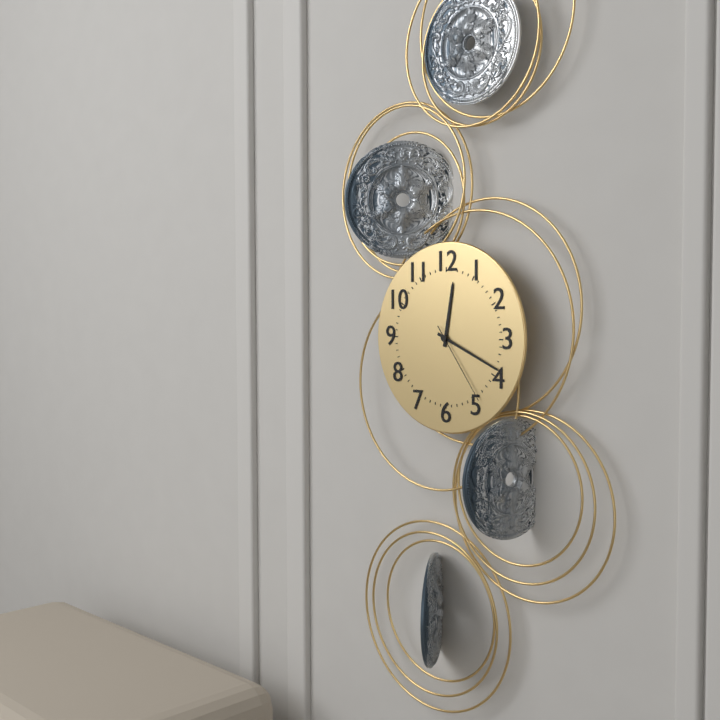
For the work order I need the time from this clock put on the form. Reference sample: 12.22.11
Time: 12.19.24
